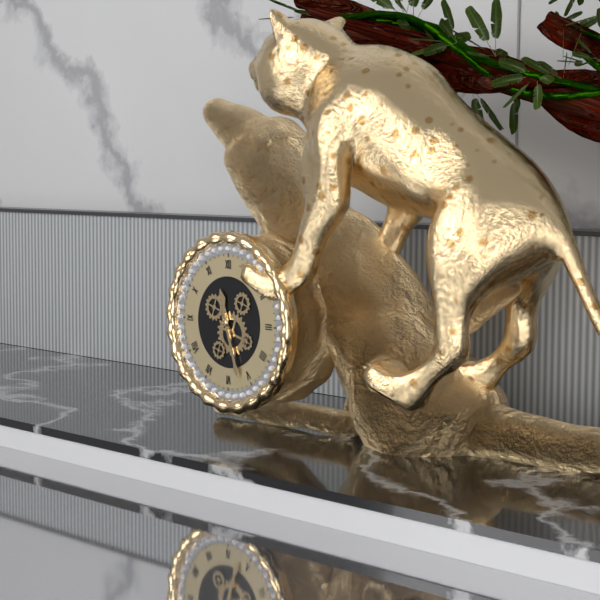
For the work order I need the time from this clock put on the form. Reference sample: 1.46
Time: 11.27
